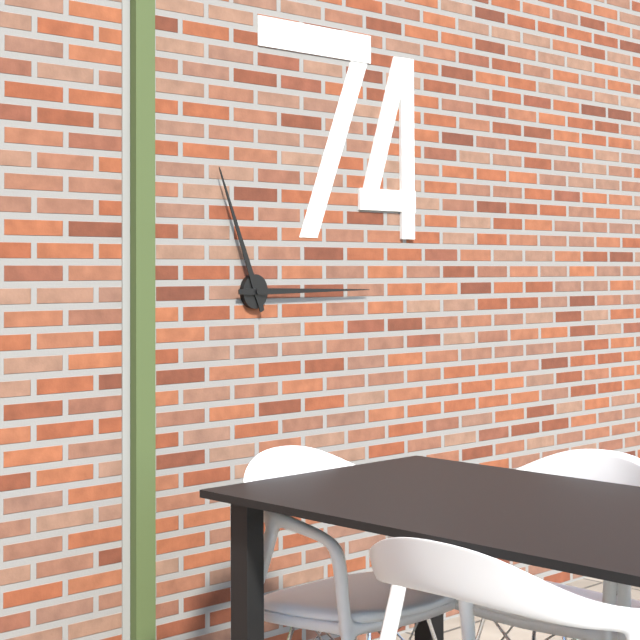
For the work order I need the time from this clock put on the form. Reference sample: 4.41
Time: 11.15
